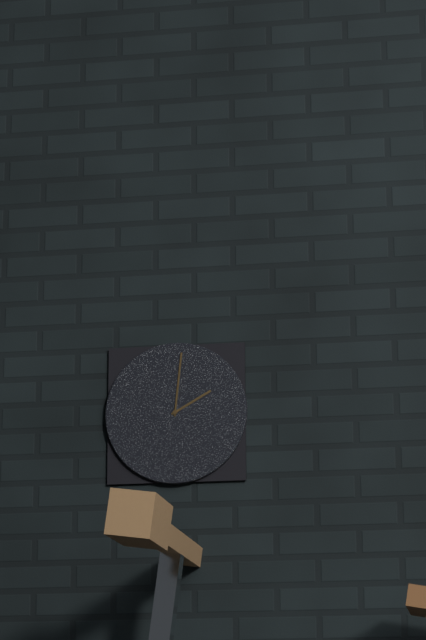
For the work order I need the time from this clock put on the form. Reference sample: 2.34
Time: 2.01
